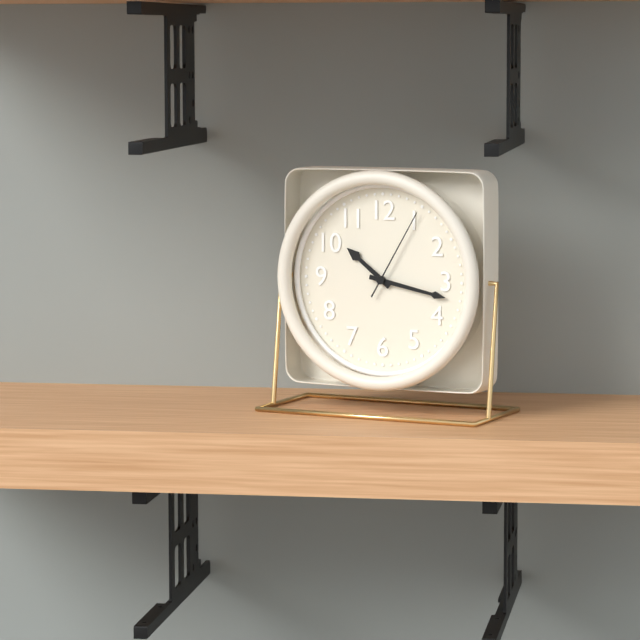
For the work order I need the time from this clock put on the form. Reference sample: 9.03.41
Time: 10.17.05
